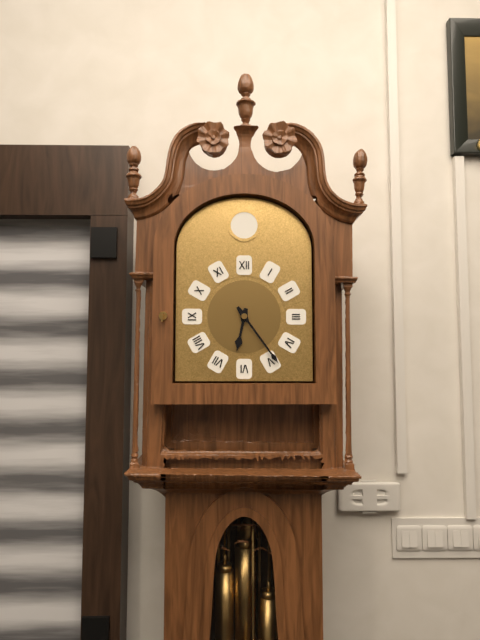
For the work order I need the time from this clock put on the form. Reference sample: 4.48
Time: 6.24
